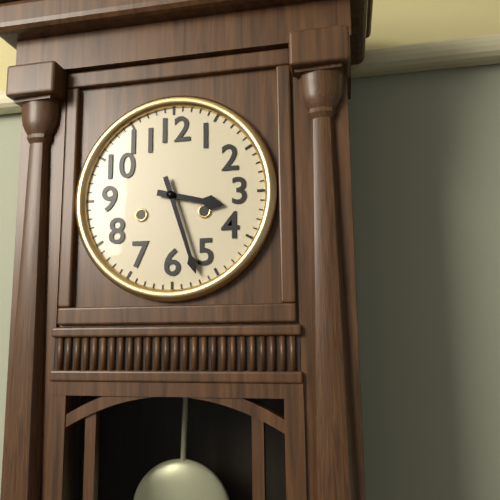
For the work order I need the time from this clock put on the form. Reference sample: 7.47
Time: 3.27
